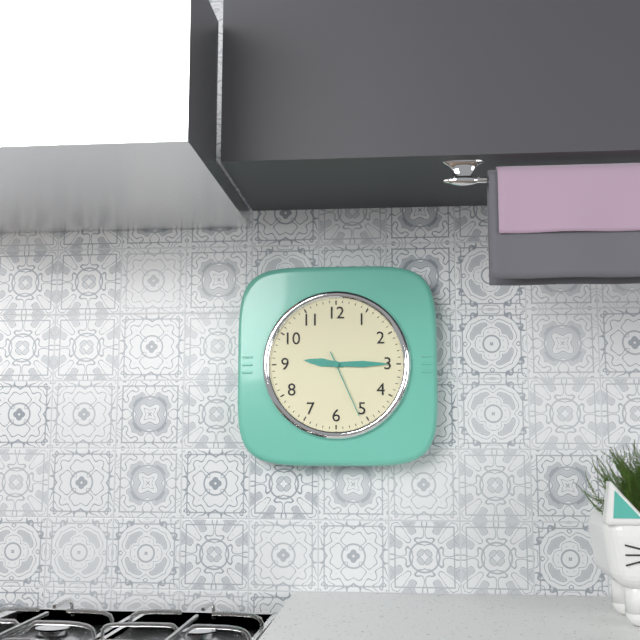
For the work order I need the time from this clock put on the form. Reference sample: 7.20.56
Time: 9.15.26
